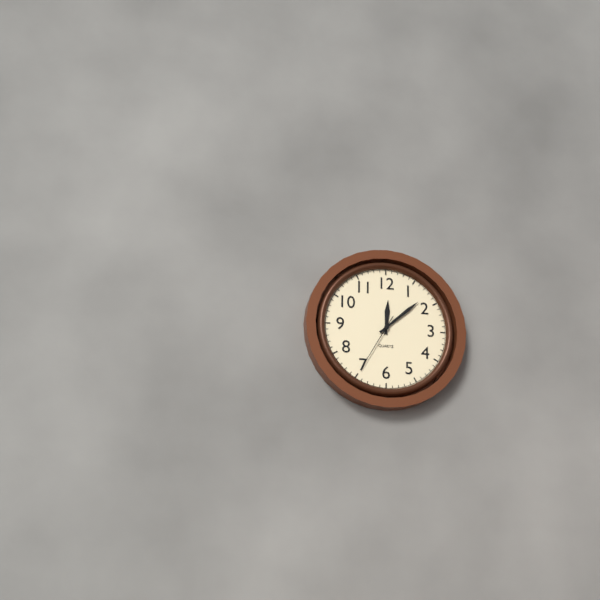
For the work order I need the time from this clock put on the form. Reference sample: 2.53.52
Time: 12.08.35
